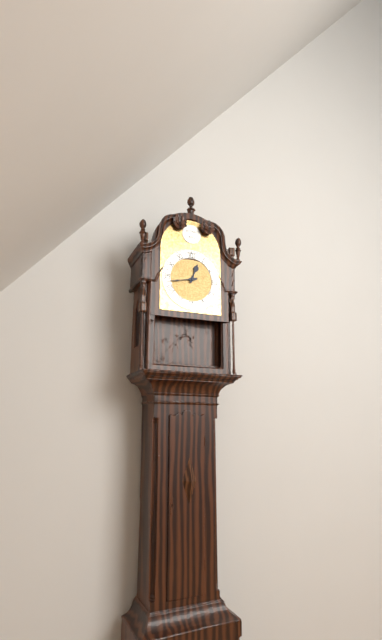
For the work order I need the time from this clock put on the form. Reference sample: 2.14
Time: 12.43
